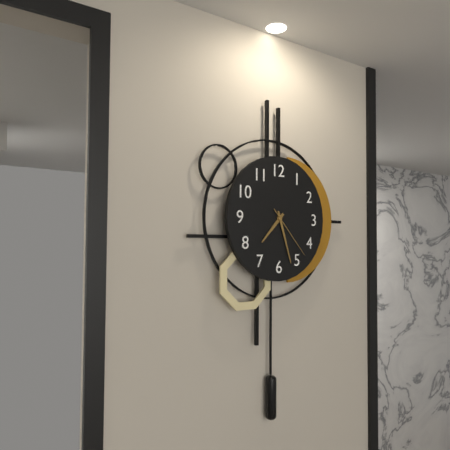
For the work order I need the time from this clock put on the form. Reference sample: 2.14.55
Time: 7.27.23
